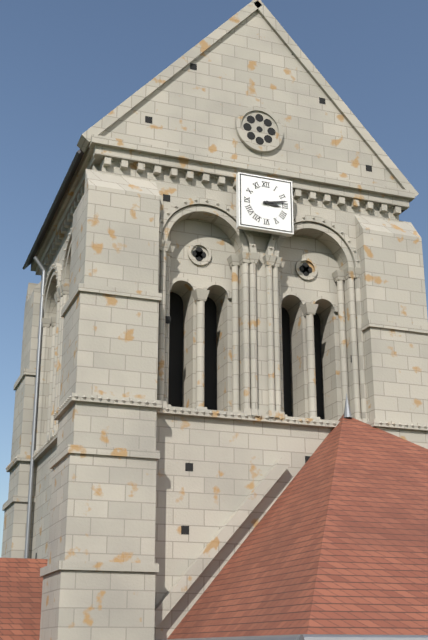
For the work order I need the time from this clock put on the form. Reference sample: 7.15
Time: 3.13
